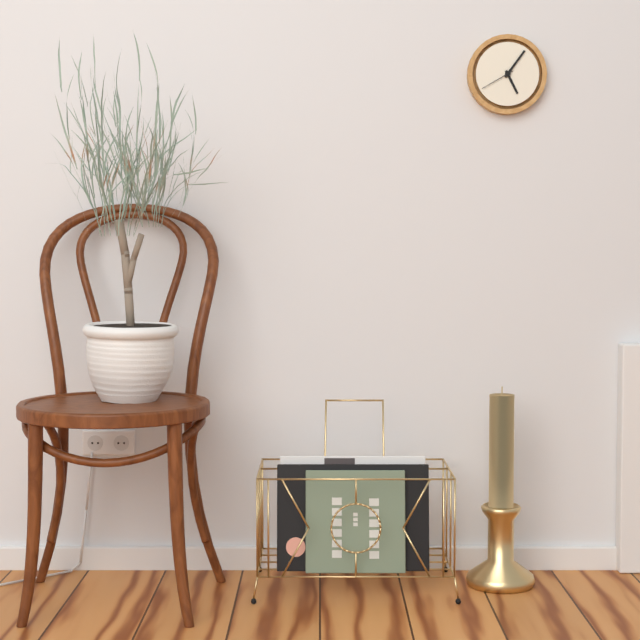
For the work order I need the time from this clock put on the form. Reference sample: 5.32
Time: 5.06
